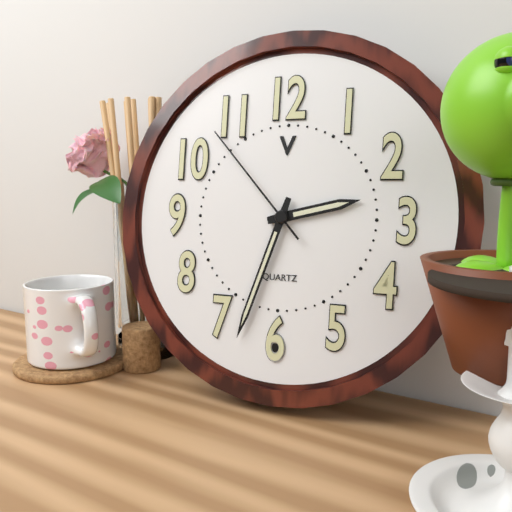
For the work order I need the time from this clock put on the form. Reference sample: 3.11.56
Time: 2.33.53
